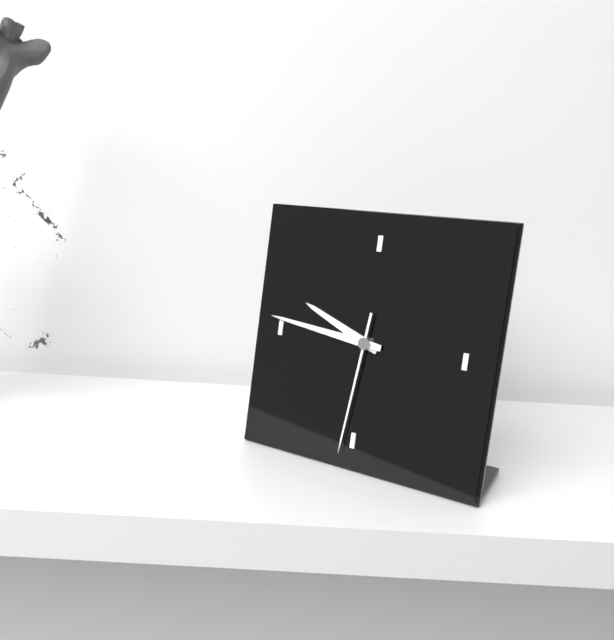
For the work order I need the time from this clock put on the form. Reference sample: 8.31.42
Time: 9.46.31
